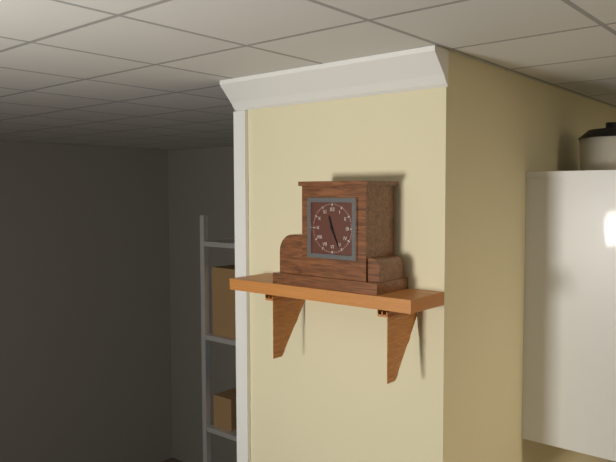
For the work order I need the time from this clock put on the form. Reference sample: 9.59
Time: 11.26
